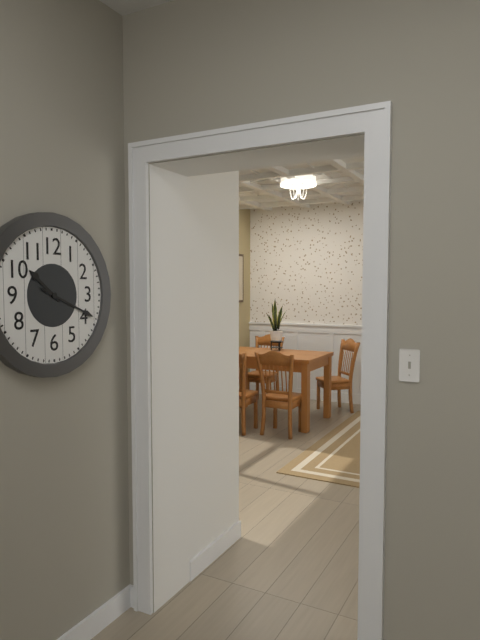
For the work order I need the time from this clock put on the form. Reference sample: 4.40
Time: 10.19
